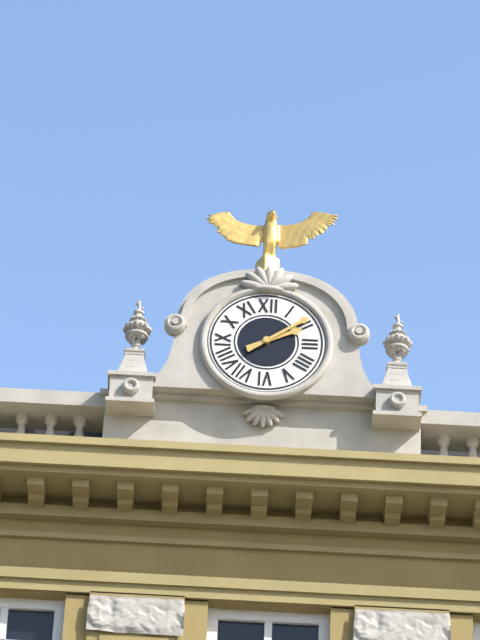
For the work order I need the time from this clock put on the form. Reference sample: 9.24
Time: 2.09
